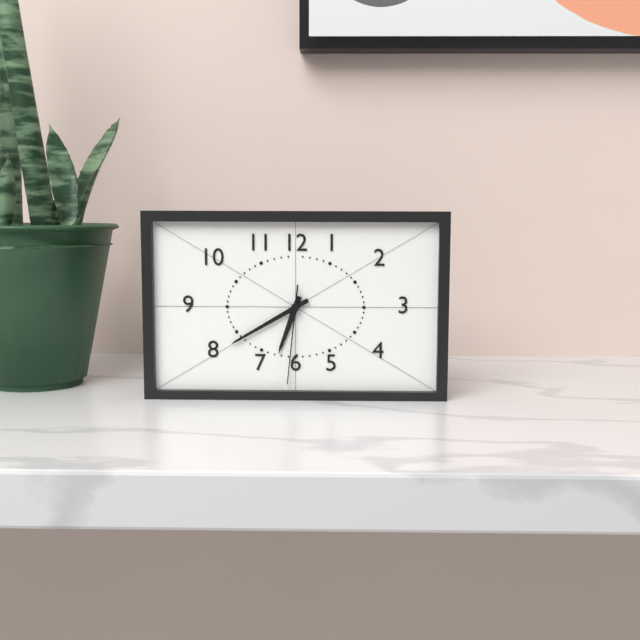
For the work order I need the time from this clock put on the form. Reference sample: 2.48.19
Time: 6.40.31
